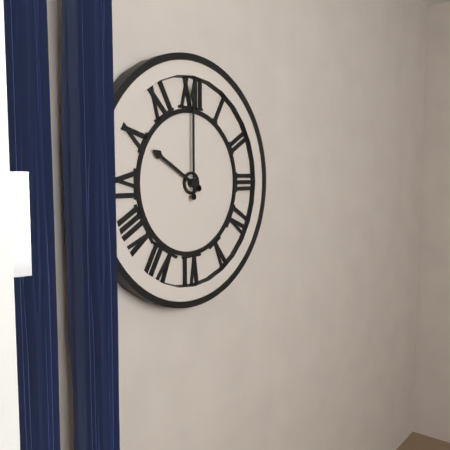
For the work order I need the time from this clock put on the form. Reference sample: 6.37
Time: 10.00
